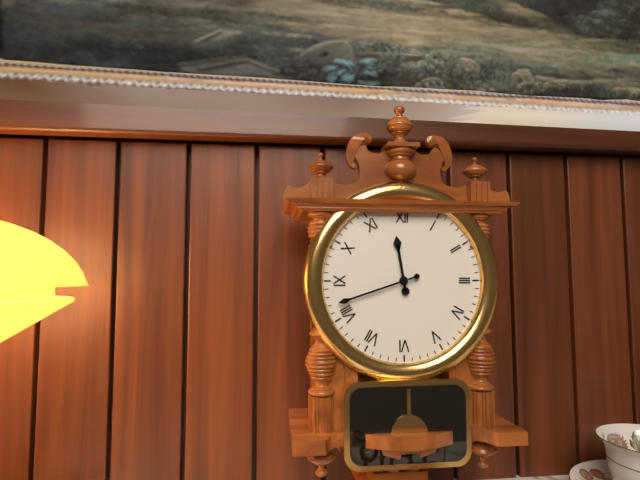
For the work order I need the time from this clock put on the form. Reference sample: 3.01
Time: 11.42
